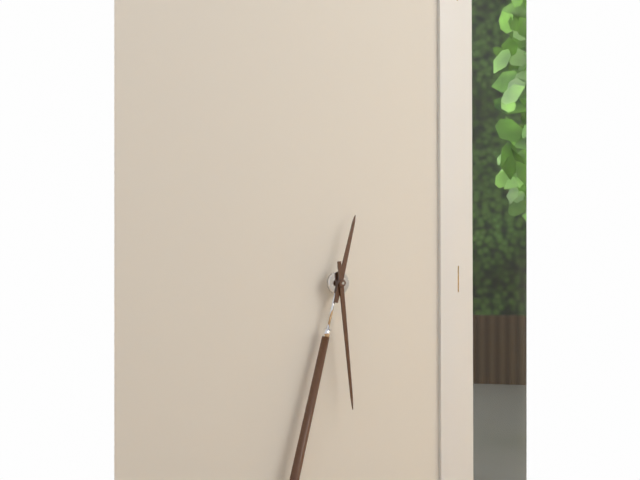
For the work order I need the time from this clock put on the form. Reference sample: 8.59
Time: 12.29
